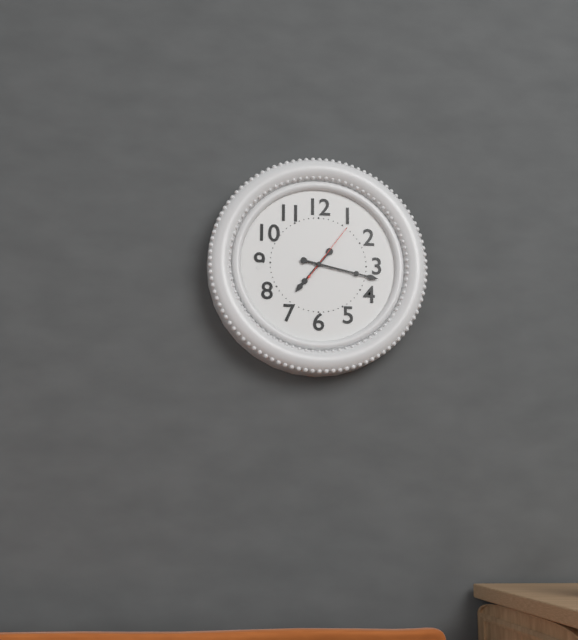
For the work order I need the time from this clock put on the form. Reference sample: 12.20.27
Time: 7.17.06
